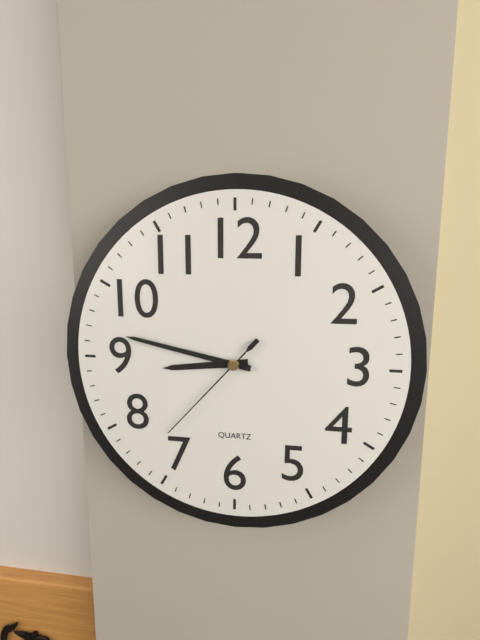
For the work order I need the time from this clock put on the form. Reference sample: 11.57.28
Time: 8.47.37
